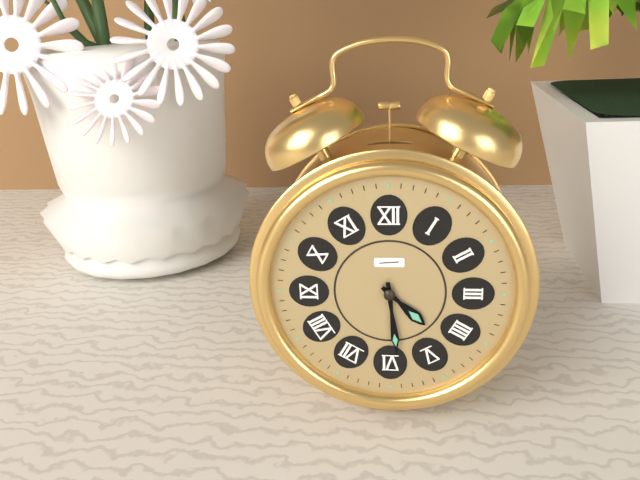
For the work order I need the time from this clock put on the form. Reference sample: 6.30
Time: 4.29
